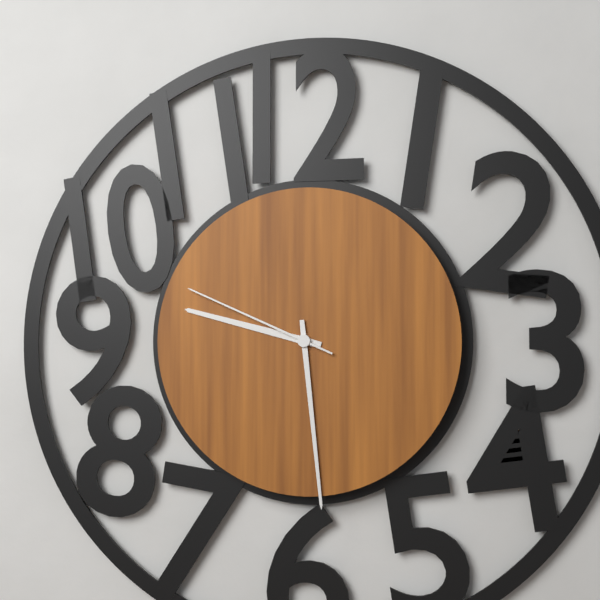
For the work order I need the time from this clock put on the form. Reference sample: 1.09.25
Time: 9.29.49
